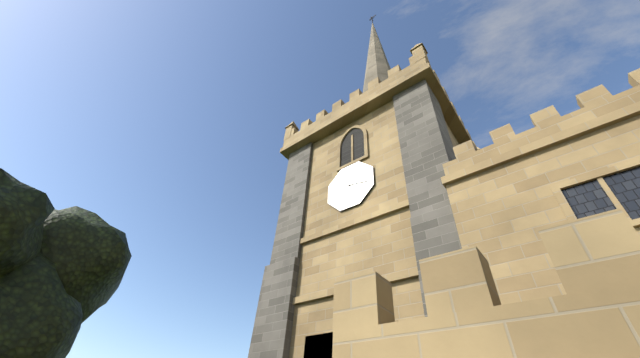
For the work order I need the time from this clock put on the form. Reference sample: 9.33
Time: 6.17
